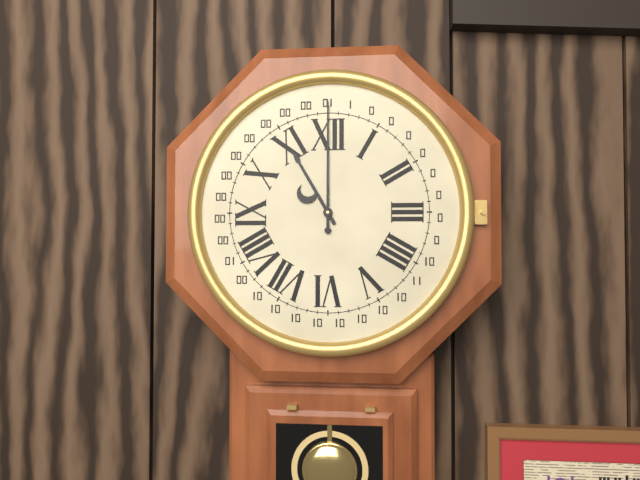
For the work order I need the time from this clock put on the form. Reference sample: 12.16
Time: 11.00
